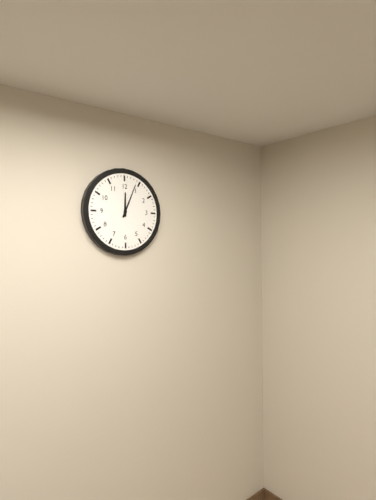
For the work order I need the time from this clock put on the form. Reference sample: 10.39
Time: 12.04
